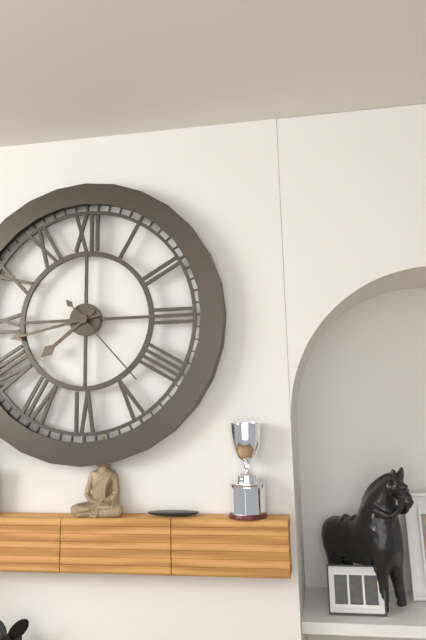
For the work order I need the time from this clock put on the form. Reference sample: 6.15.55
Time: 7.43.23
